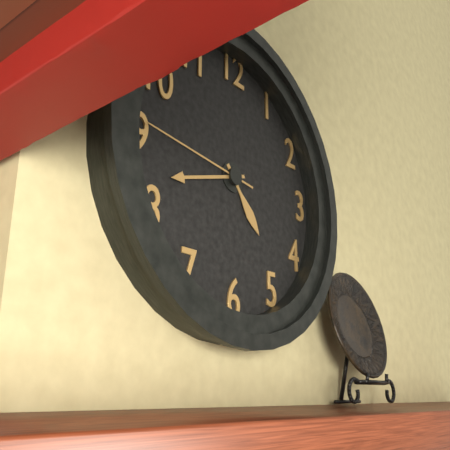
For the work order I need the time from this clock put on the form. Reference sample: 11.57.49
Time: 4.42.46
